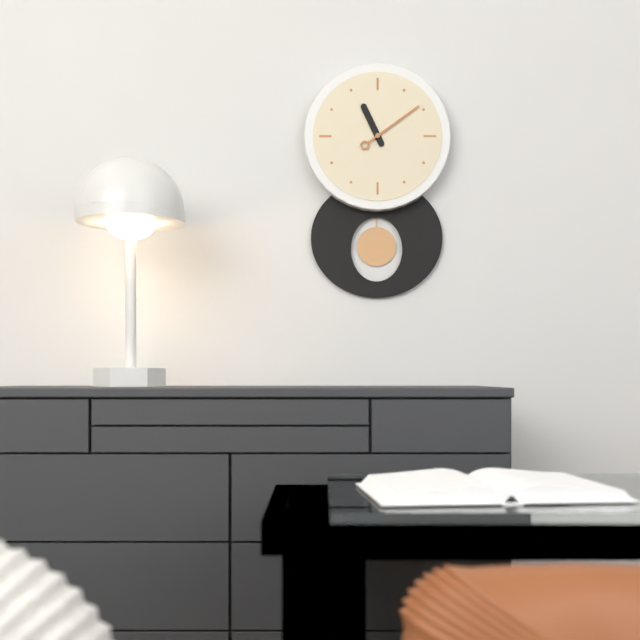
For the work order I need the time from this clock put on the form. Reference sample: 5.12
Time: 11.09
